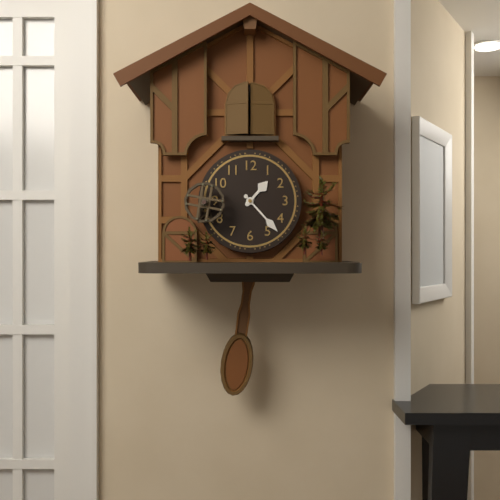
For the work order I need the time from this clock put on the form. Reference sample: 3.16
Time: 1.23
